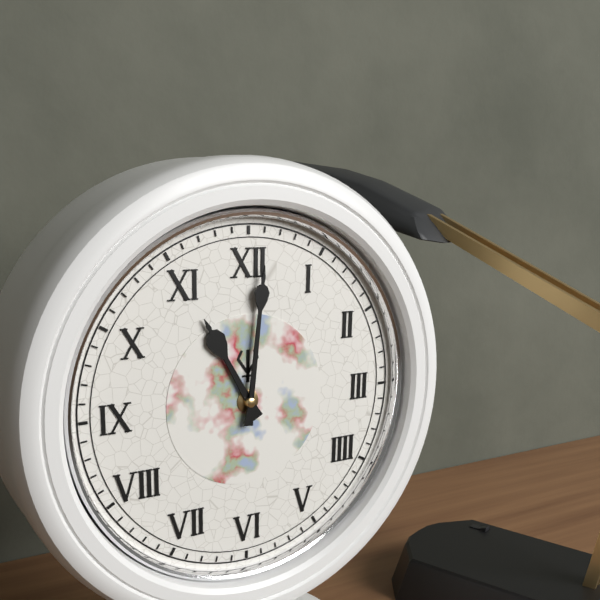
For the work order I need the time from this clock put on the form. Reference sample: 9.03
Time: 11.01
